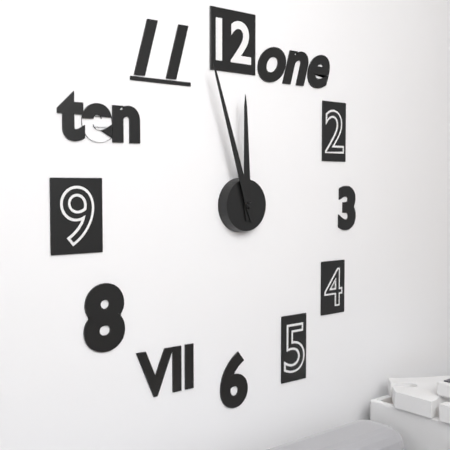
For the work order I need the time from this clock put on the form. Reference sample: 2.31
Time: 11.57
